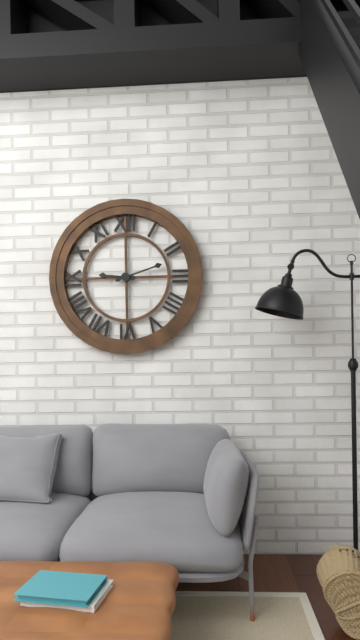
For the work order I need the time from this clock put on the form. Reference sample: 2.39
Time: 9.12
